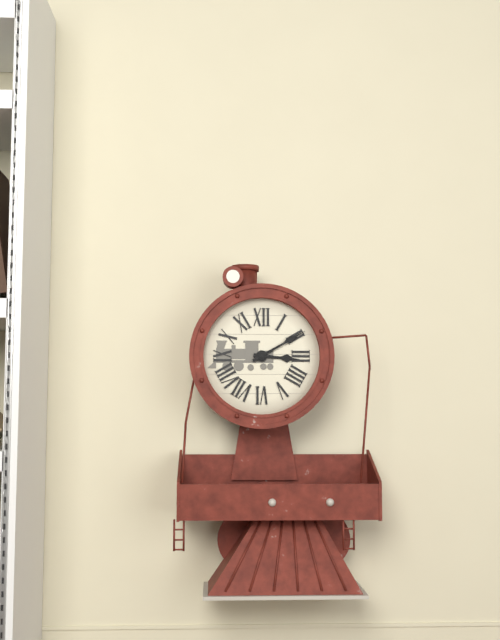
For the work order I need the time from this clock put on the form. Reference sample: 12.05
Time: 3.10
